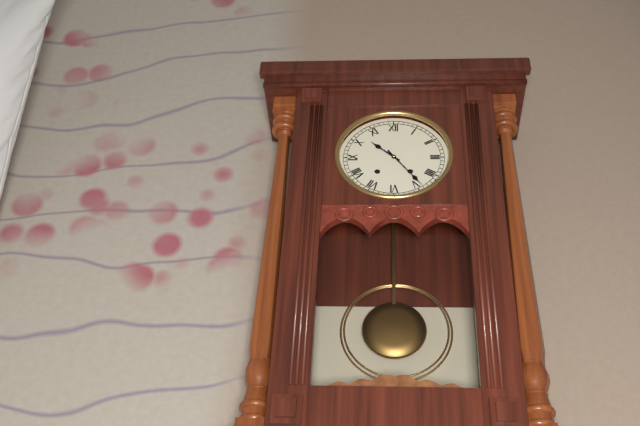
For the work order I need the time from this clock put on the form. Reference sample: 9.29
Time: 10.24
